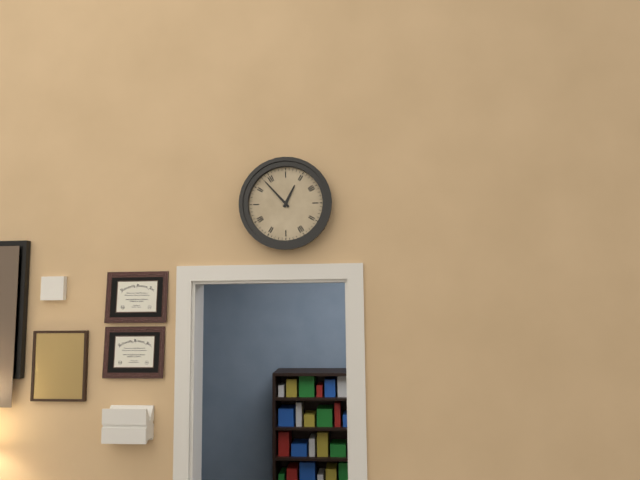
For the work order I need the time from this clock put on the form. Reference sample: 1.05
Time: 12.53
